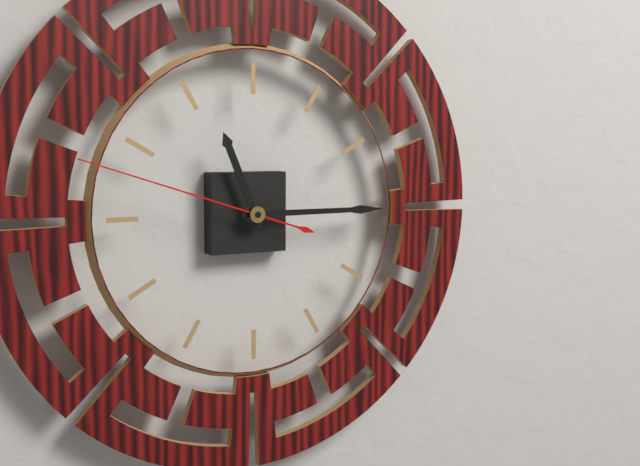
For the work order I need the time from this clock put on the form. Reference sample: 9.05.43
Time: 11.15.48
